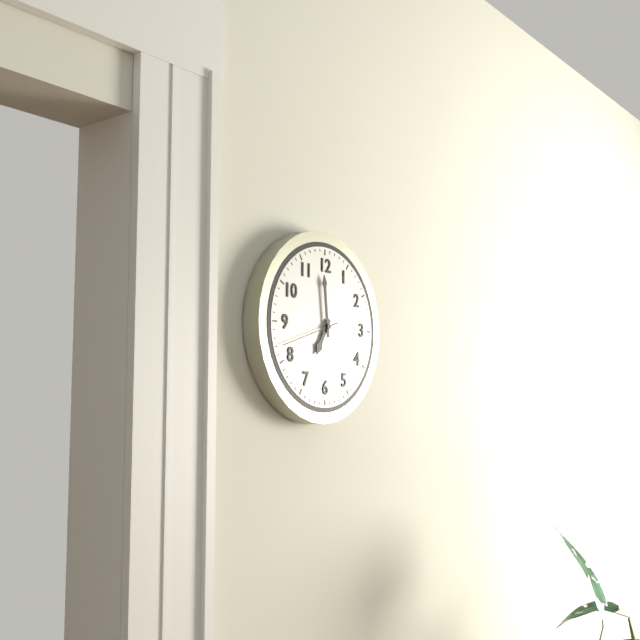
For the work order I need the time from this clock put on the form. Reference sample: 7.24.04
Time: 6.59.42
